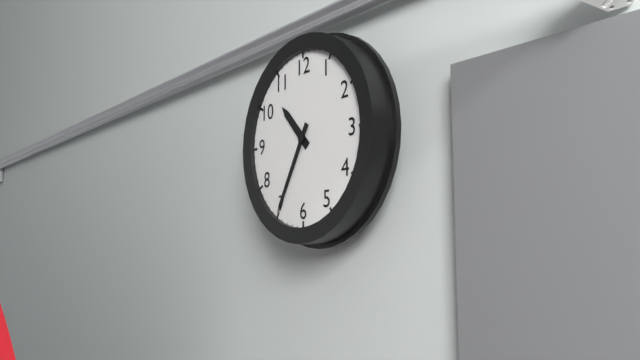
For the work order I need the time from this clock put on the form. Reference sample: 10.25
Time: 10.35
